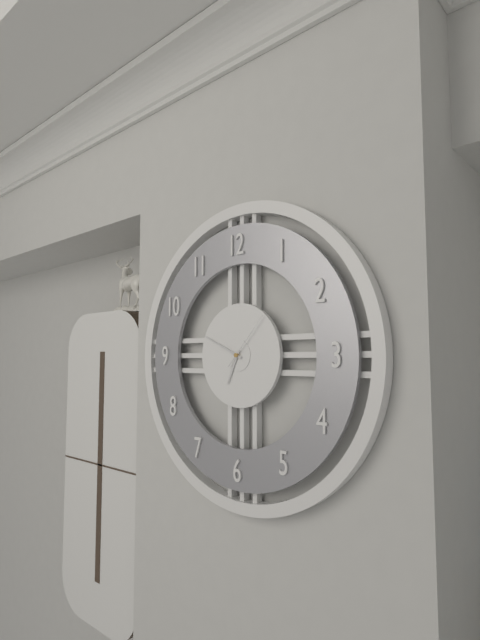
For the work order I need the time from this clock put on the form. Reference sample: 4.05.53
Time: 6.49.07
